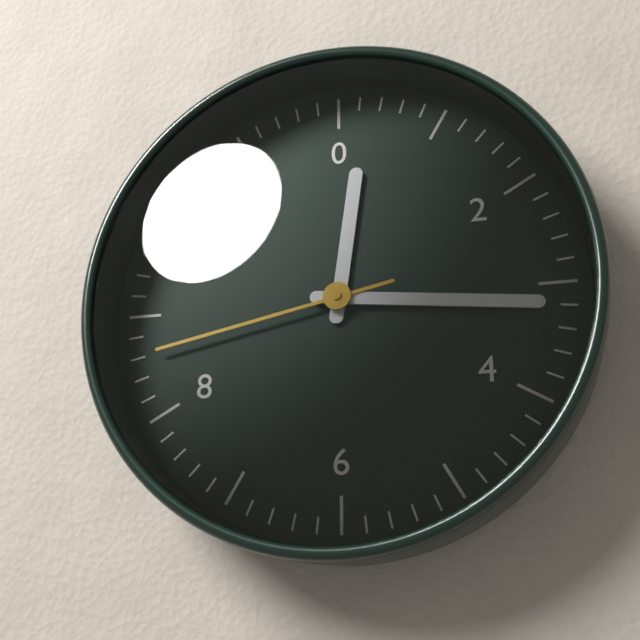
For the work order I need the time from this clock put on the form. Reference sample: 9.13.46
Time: 12.16.43
